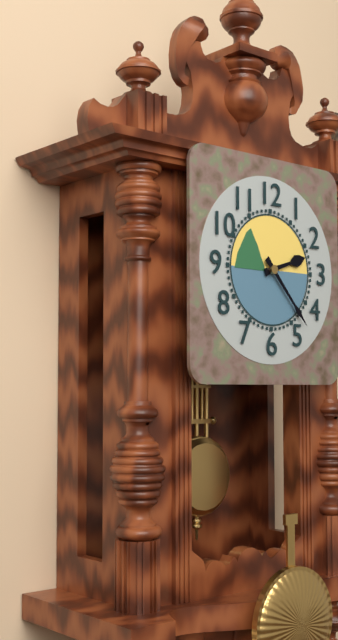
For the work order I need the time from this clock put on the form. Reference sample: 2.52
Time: 2.23
